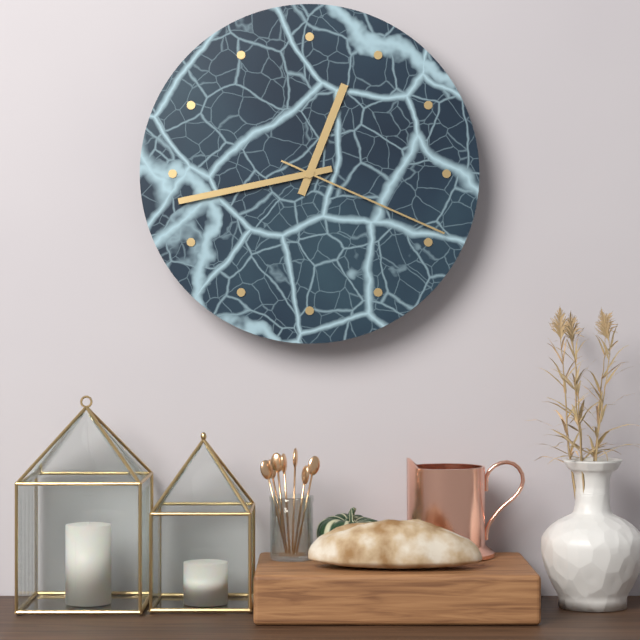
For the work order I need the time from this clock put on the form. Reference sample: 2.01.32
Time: 12.43.19
